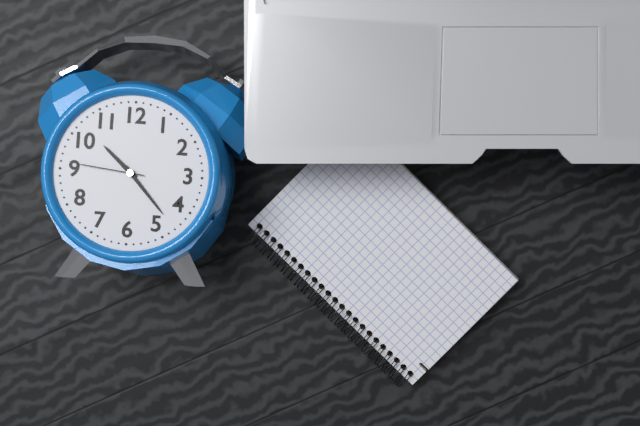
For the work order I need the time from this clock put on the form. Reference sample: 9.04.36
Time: 10.23.46
